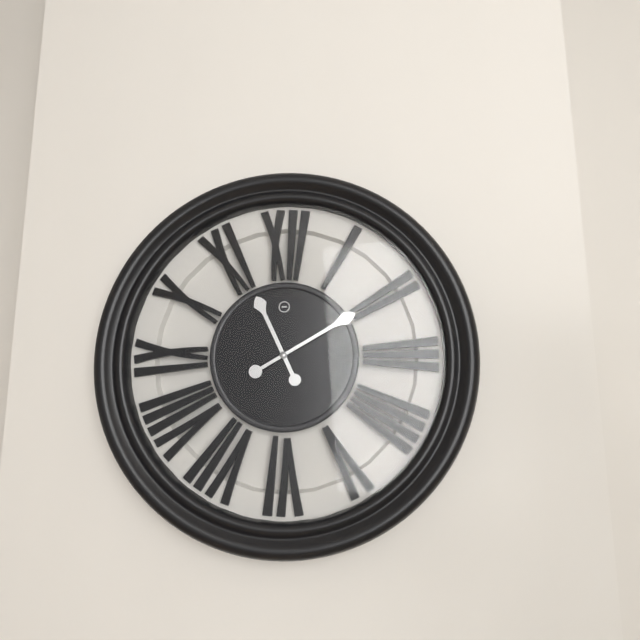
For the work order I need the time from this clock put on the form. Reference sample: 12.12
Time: 11.10
